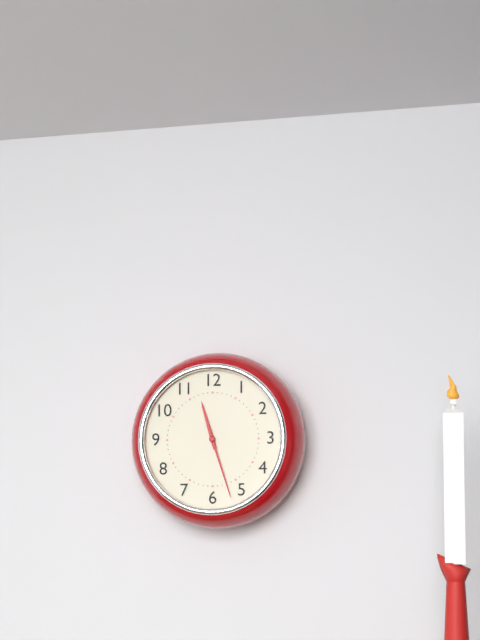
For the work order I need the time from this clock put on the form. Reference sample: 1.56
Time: 11.27
